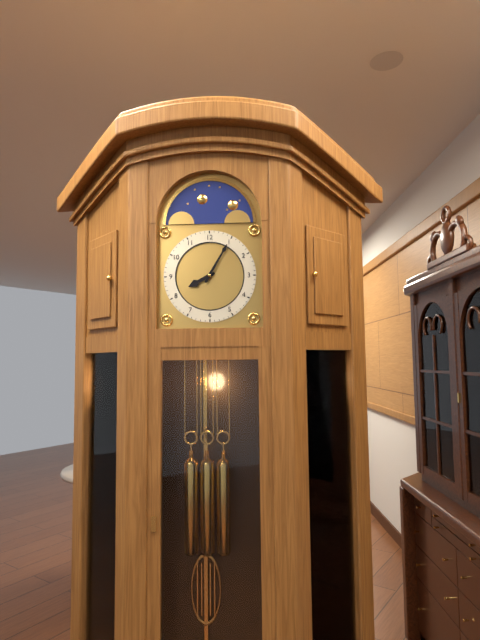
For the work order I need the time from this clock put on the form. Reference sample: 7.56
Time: 8.05
